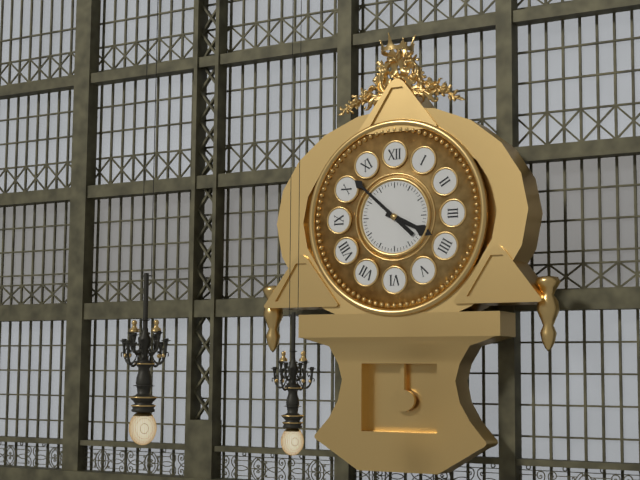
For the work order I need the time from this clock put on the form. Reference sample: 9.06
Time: 3.52
